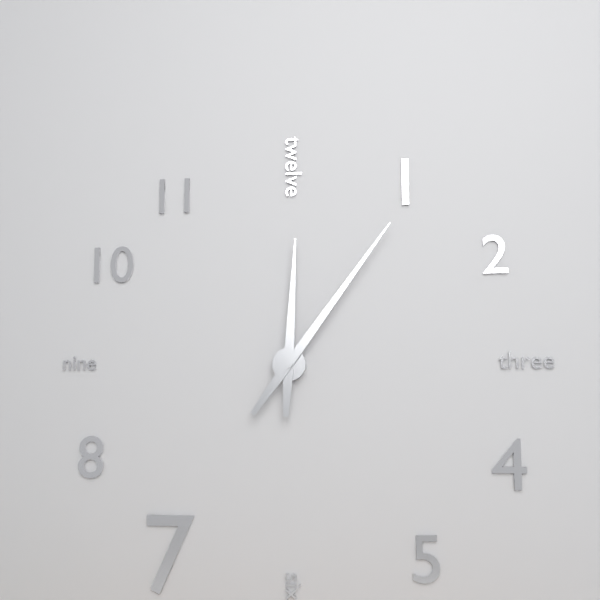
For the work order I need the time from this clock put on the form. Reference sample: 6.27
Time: 12.06
